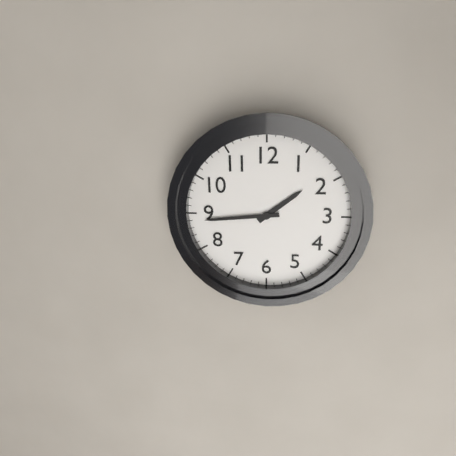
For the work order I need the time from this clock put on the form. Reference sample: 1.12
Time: 1.44
